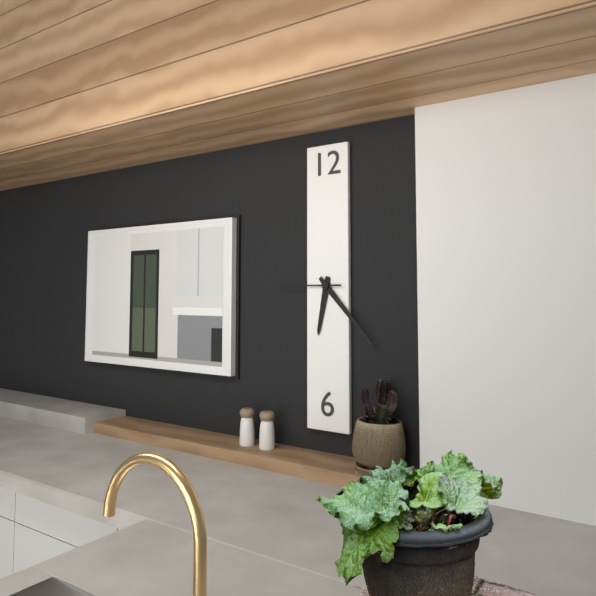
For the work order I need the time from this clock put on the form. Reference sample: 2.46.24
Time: 6.23.45
